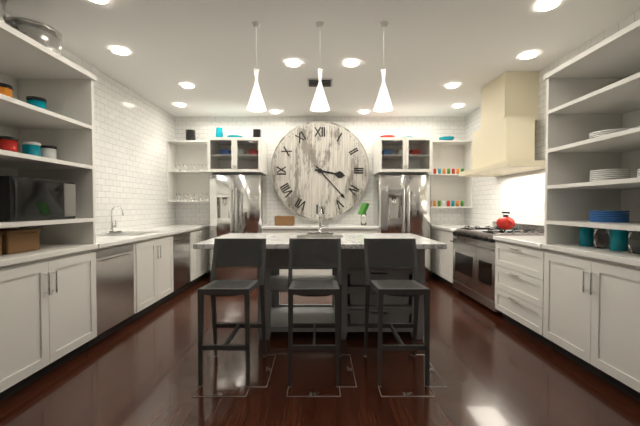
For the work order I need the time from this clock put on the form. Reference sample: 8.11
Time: 3.23
